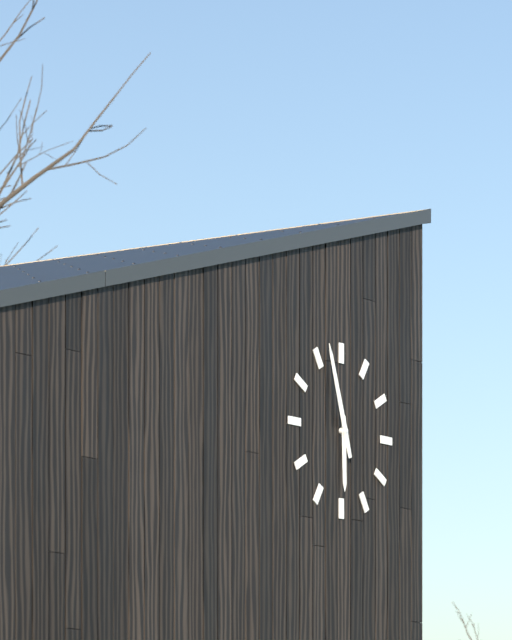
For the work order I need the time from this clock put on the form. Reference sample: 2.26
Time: 5.57
